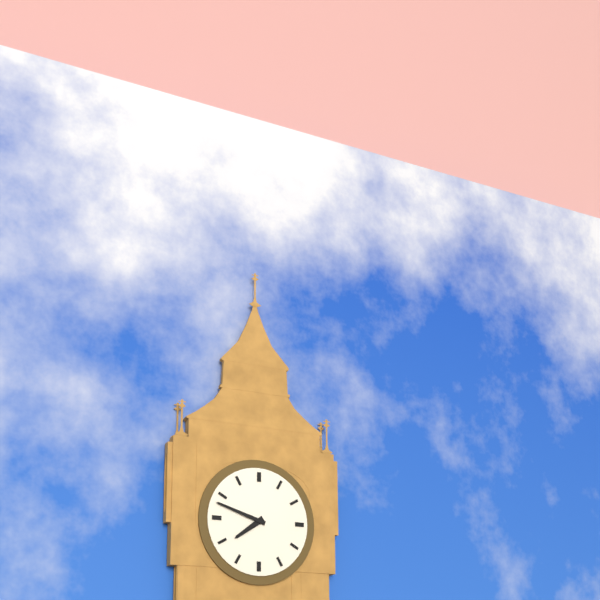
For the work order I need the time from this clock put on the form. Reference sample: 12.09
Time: 7.48
